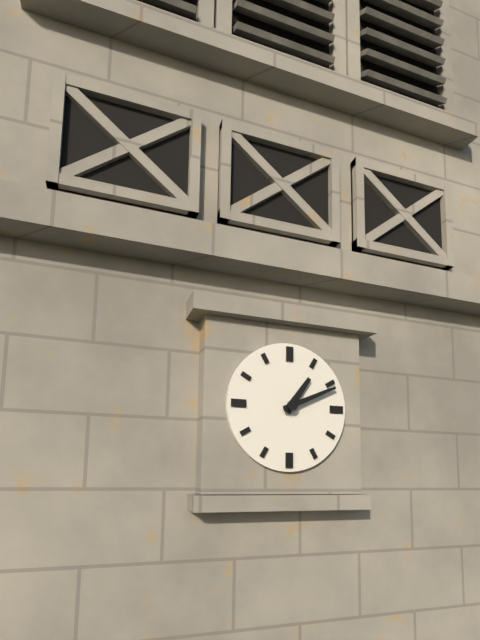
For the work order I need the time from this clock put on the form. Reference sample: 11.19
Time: 1.11
